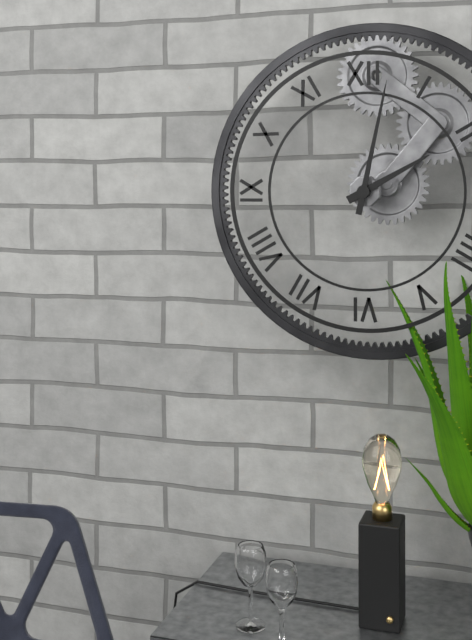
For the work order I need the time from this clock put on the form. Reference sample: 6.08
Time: 2.02
